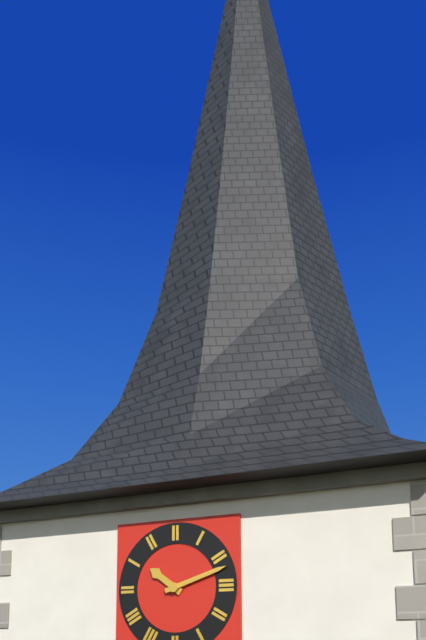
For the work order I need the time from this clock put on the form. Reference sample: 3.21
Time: 10.12
